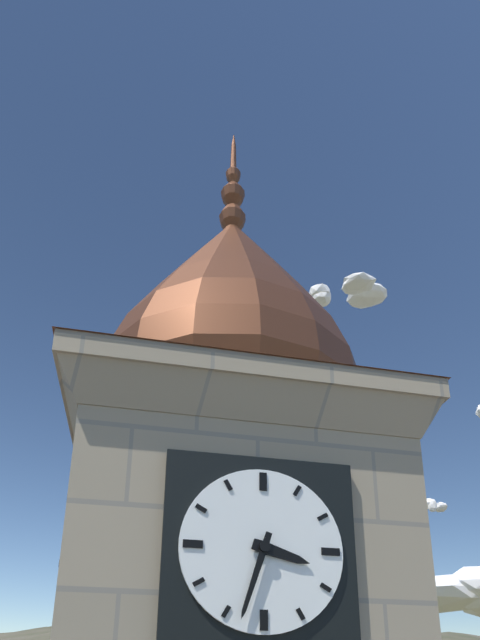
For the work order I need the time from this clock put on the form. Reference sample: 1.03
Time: 3.33
